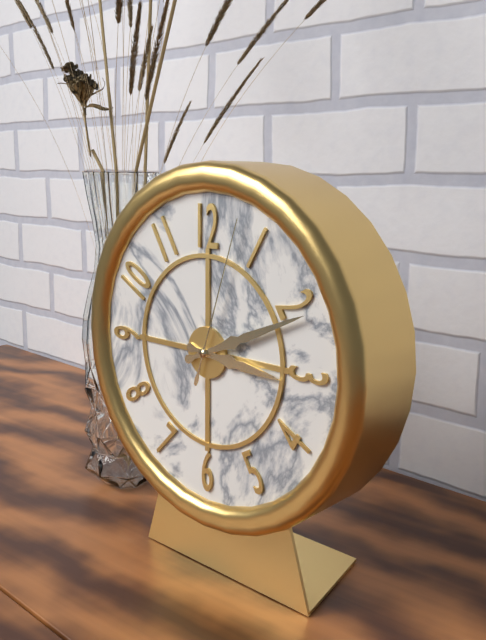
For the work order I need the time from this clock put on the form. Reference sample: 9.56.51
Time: 3.11.03
